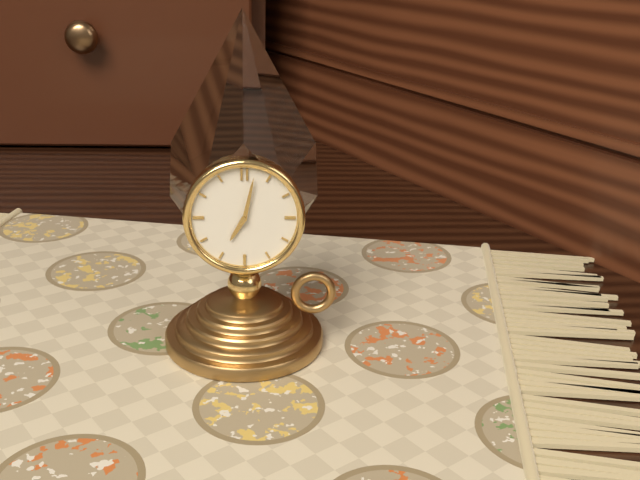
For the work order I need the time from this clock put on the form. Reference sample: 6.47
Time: 7.02
